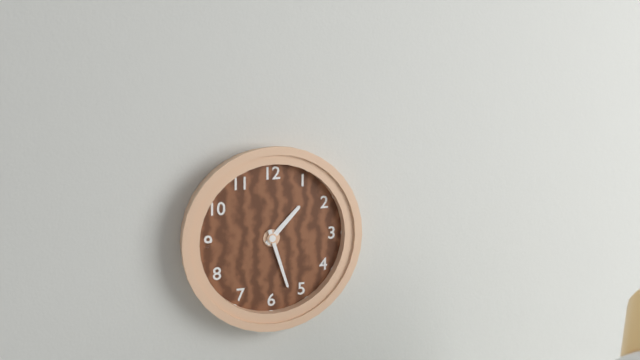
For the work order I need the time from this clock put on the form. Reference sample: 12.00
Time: 1.27
